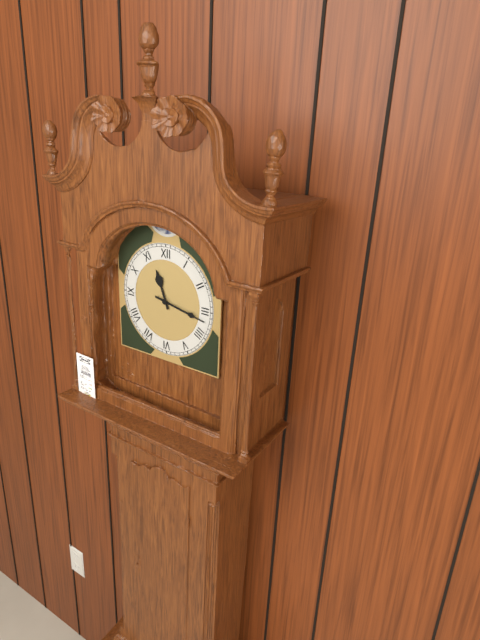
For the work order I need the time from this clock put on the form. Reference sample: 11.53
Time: 11.17
